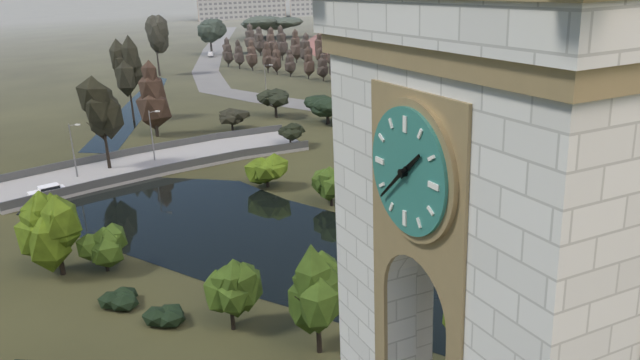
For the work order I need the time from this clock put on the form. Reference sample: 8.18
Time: 1.38
